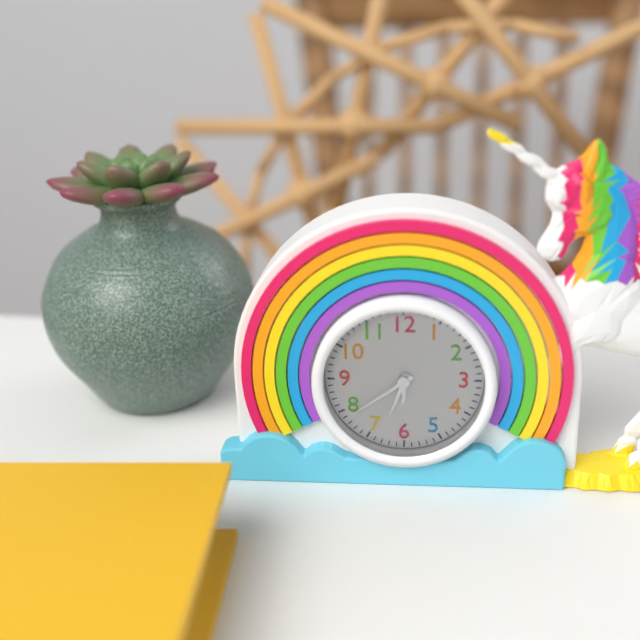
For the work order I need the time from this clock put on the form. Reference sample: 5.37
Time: 6.39
